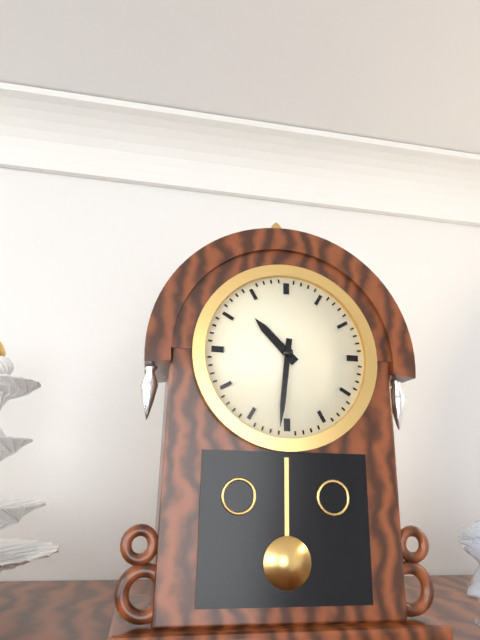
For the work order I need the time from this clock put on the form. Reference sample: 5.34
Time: 10.31
